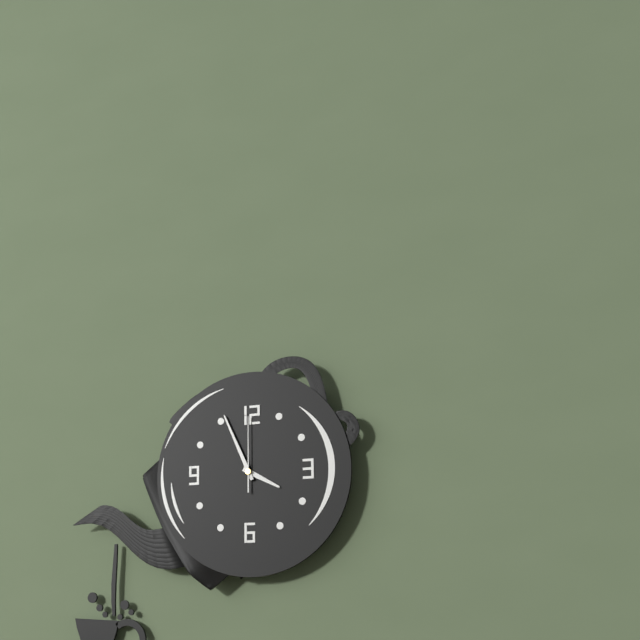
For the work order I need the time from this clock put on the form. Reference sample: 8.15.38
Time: 3.56.00
